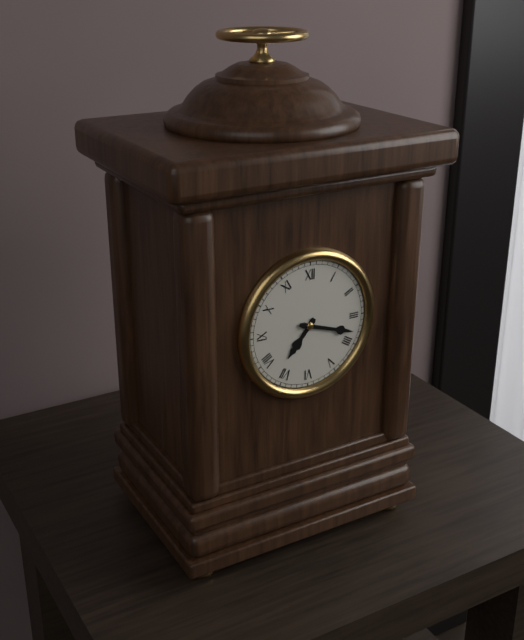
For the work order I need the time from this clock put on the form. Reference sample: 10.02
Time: 7.18
